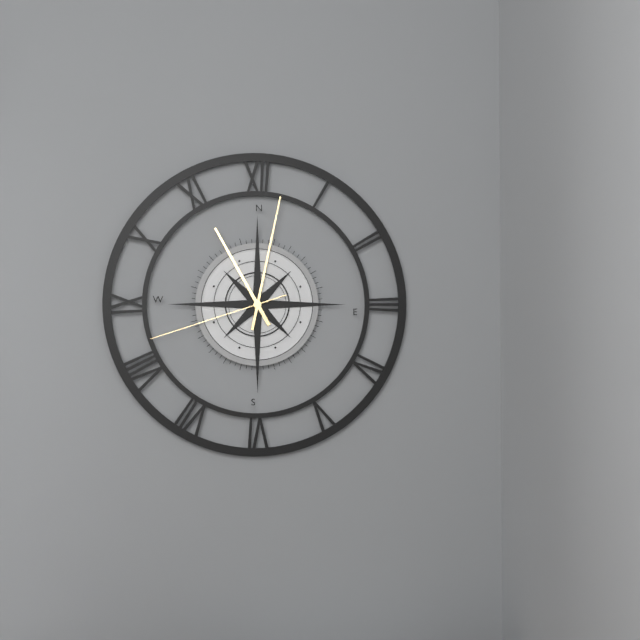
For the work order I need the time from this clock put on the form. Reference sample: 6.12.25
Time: 11.02.42
